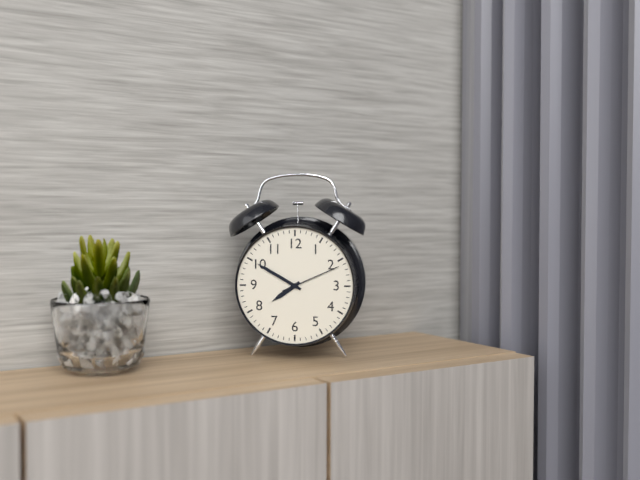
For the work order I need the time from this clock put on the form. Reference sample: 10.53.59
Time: 7.50.11
